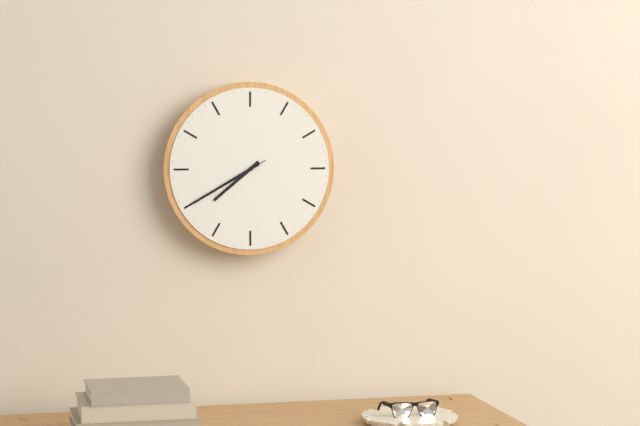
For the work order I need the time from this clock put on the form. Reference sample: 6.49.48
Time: 7.40.40
